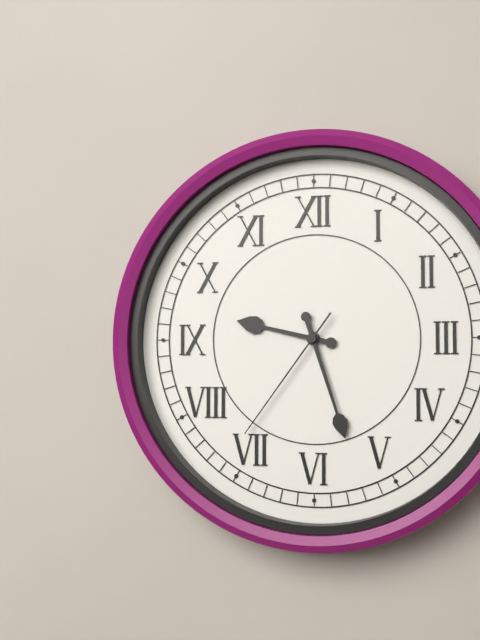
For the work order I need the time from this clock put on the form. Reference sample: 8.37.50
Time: 9.27.36
